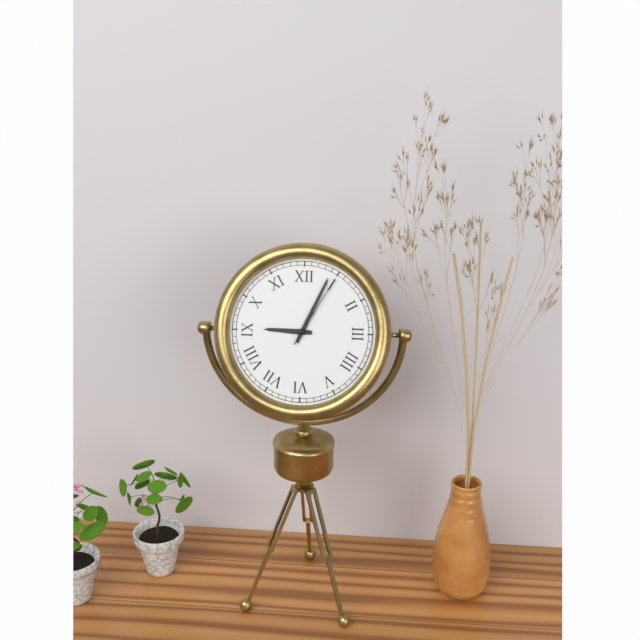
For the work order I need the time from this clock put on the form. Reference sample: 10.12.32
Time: 9.04.05
